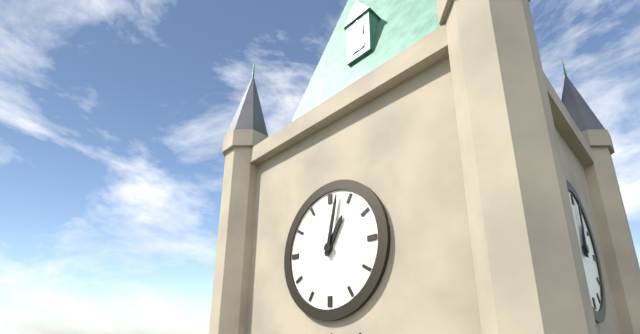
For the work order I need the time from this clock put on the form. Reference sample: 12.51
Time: 1.02
